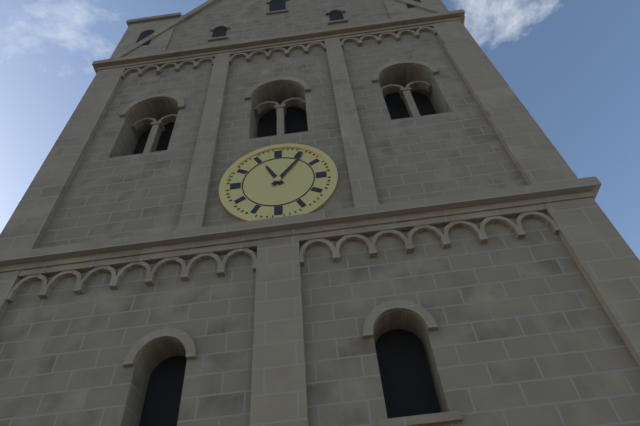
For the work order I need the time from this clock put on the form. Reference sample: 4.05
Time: 11.06
